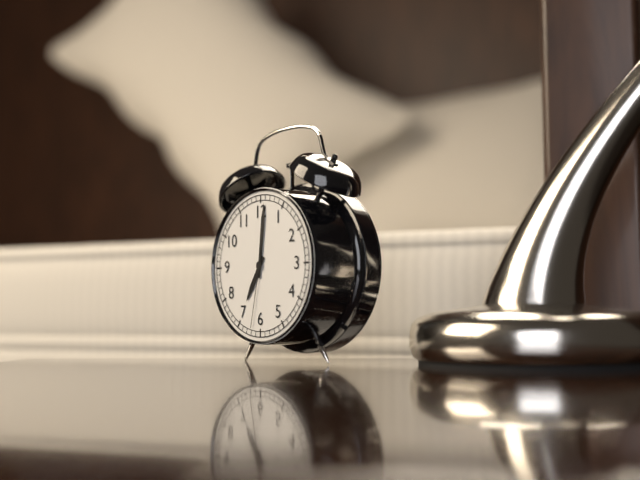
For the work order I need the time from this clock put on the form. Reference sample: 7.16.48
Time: 7.01.32
